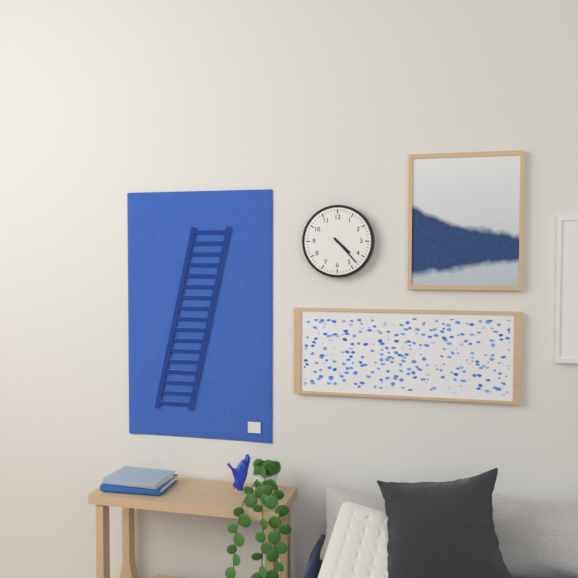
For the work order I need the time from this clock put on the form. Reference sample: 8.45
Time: 4.23
